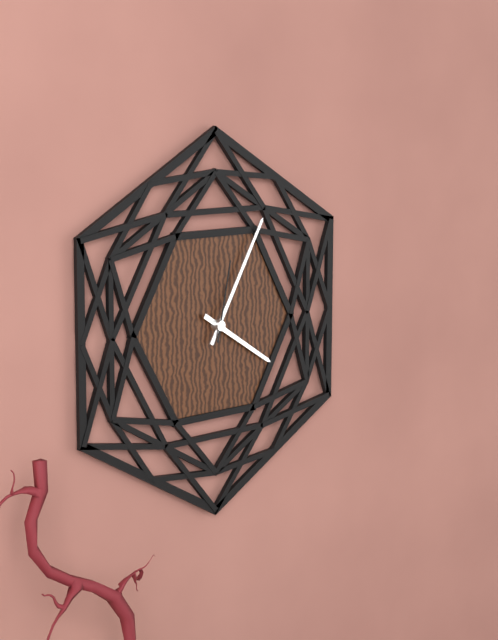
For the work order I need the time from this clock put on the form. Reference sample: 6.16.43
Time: 4.05.02
